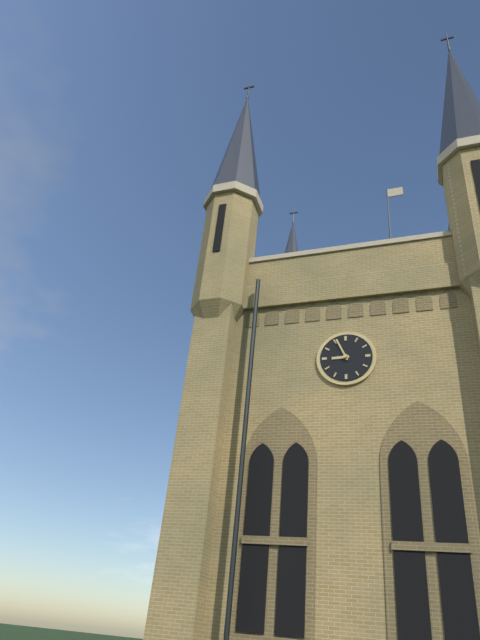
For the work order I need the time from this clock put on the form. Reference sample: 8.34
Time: 8.56
